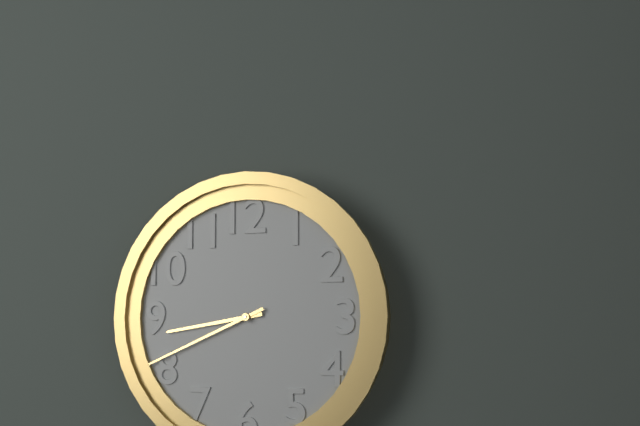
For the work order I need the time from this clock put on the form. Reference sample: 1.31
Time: 8.41
